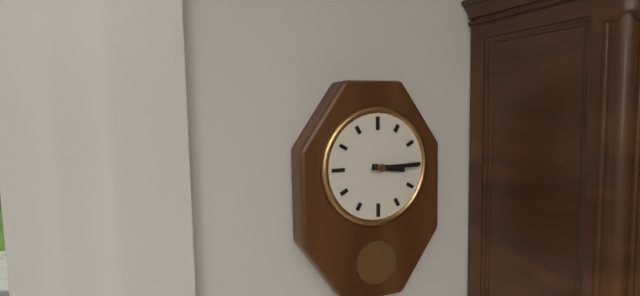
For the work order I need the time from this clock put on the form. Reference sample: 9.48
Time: 3.15
